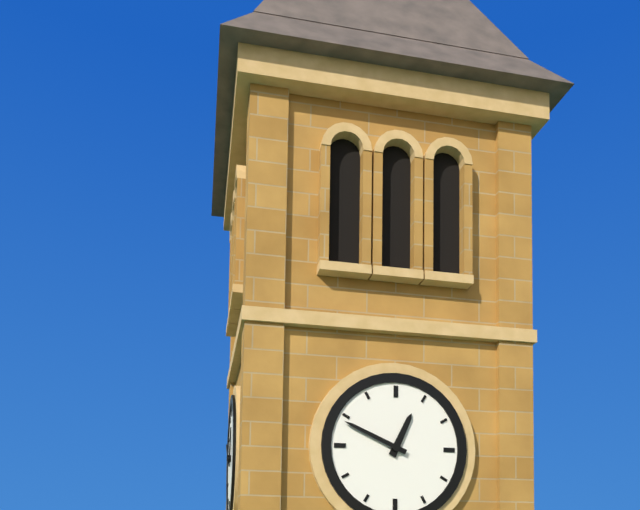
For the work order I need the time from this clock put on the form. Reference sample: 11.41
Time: 12.49
